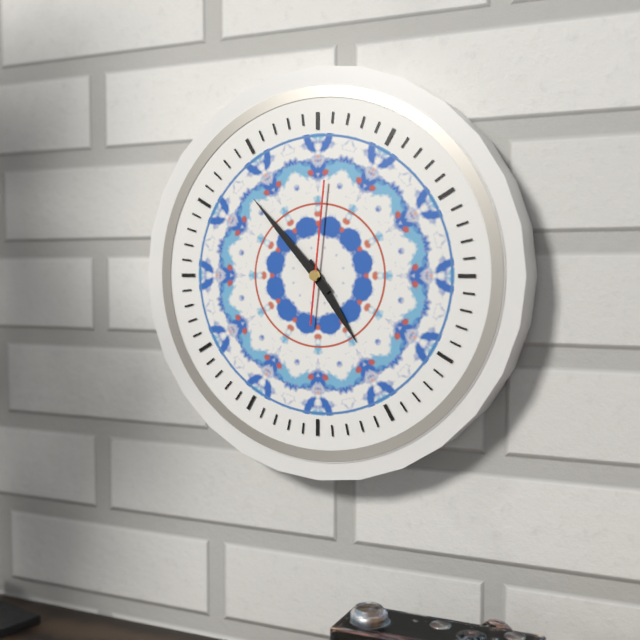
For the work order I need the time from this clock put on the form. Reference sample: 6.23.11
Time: 4.53.01
